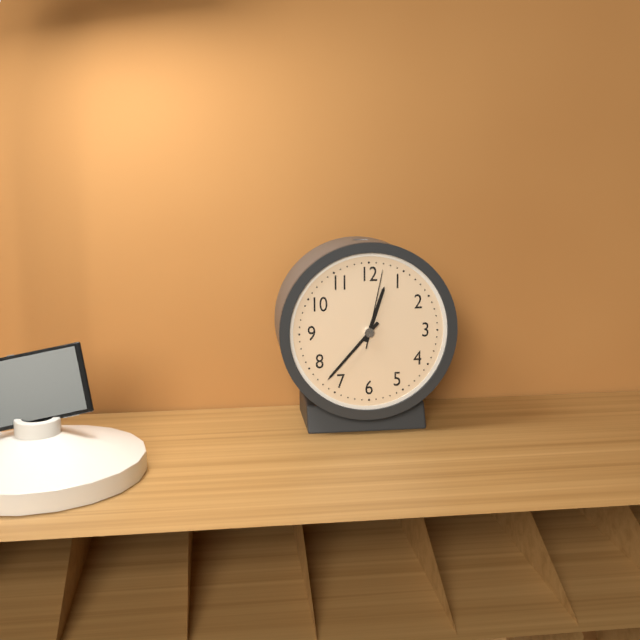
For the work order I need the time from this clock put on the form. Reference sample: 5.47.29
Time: 12.37.02
